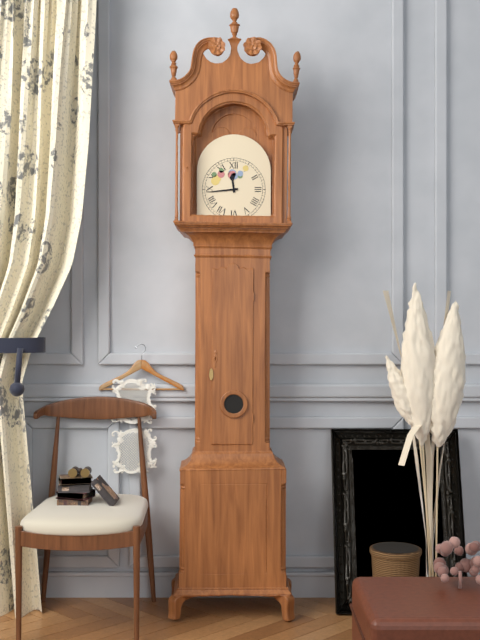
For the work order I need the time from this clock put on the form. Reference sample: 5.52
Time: 11.44
